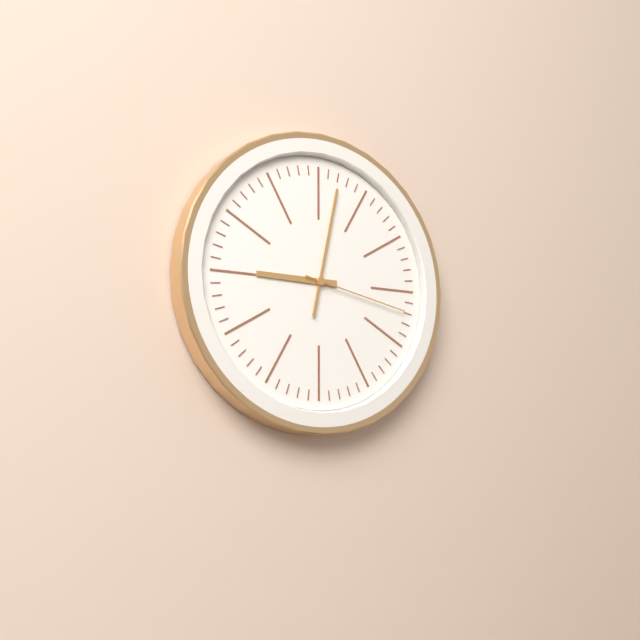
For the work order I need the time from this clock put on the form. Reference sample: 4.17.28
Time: 9.02.17
